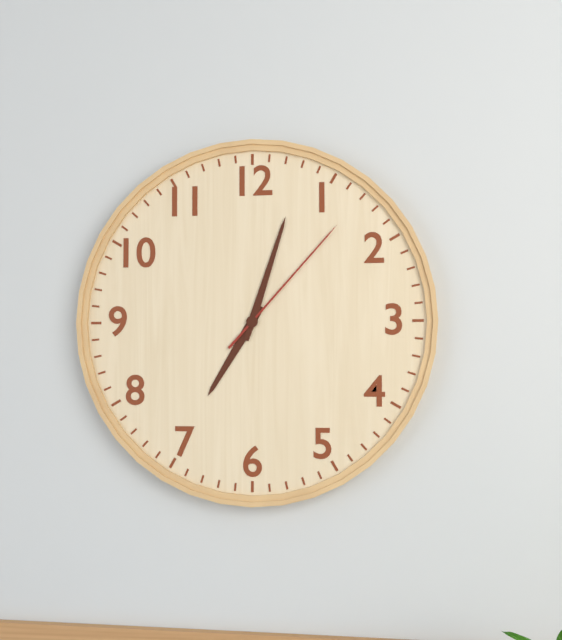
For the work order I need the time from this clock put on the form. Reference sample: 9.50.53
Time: 7.03.07
